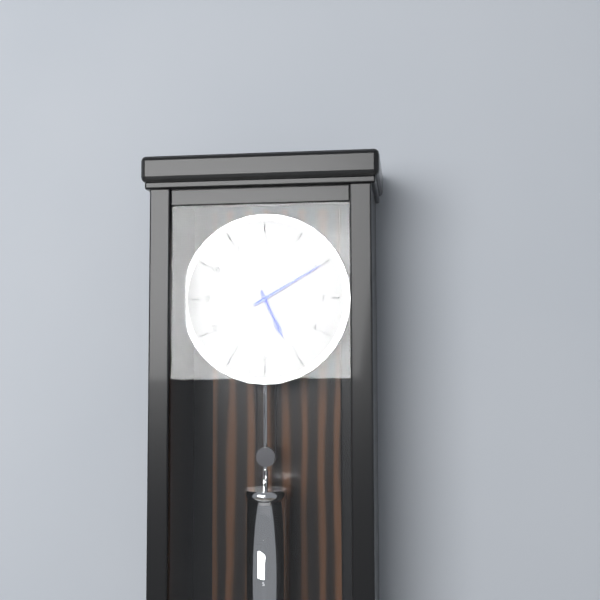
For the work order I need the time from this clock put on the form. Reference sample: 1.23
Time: 5.10
